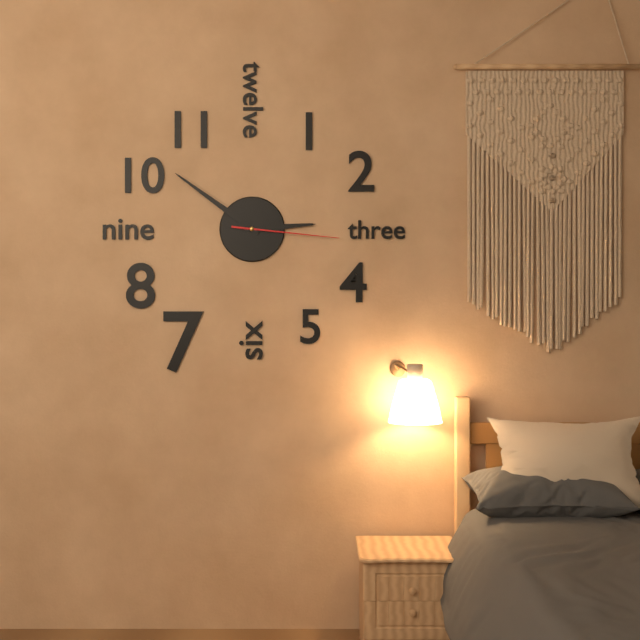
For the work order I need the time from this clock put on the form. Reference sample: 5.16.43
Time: 2.51.16
